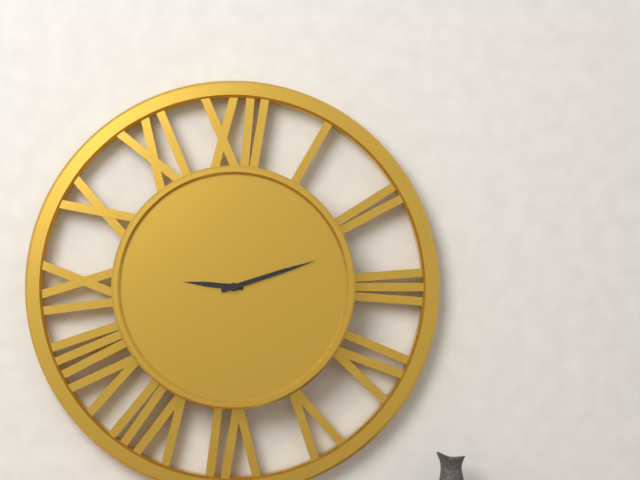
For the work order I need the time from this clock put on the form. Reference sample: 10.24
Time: 9.12
